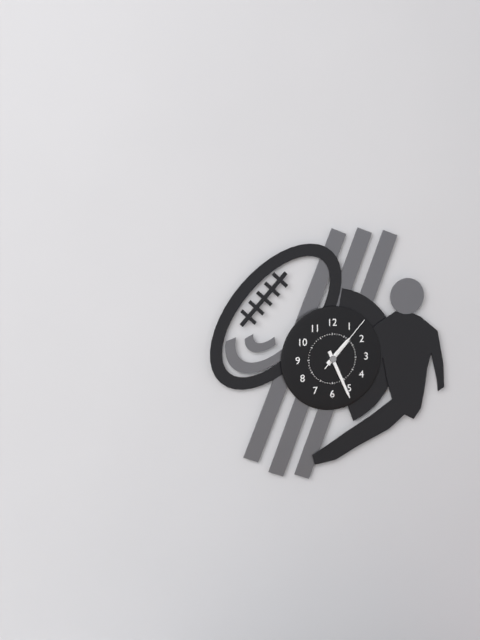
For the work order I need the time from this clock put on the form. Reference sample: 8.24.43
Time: 1.26.07
